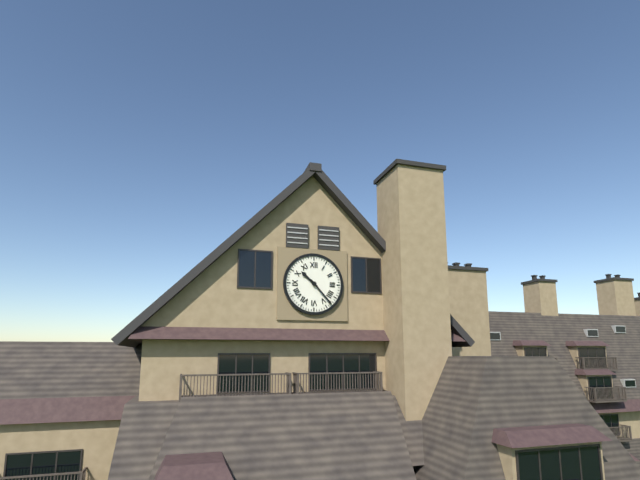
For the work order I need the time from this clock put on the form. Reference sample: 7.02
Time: 10.23
